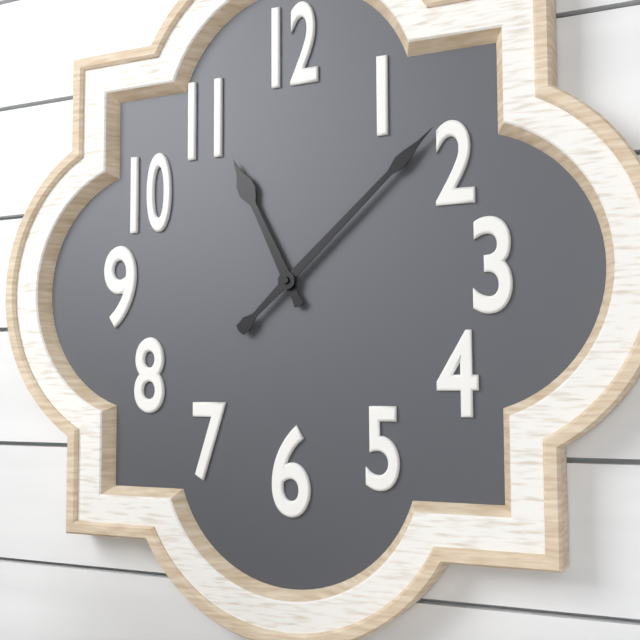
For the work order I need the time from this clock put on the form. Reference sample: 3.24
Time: 11.08
